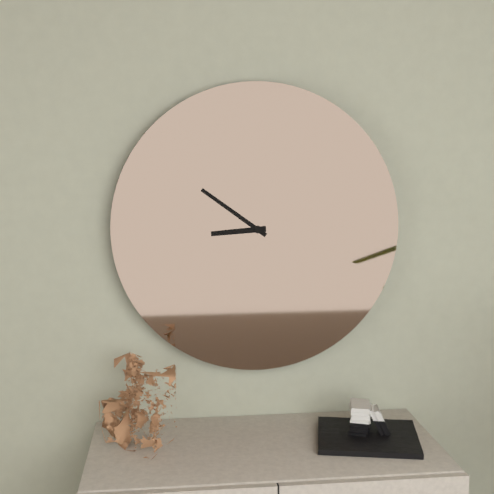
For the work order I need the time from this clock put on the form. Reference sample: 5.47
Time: 8.51
